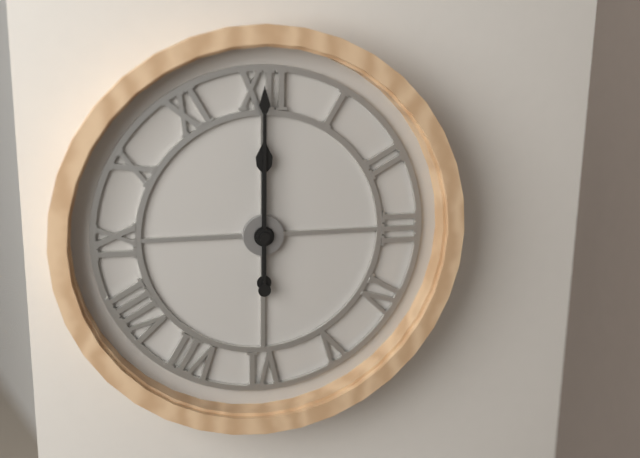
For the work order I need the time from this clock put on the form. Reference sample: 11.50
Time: 12.00
